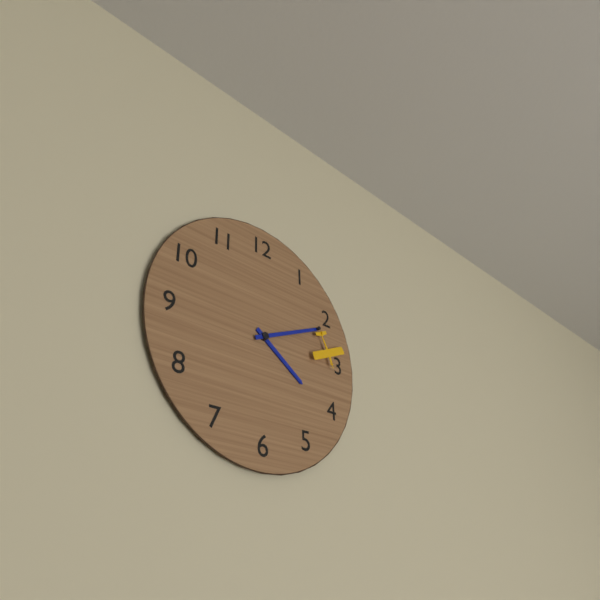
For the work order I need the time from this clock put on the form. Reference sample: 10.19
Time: 4.11
